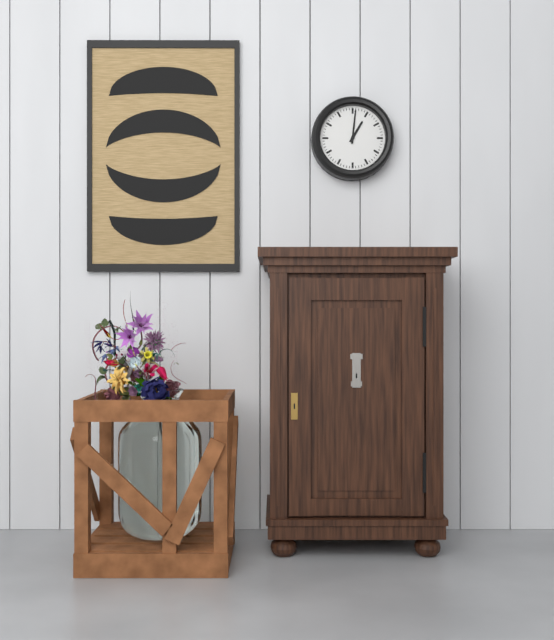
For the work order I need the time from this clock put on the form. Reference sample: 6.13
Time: 1.01
